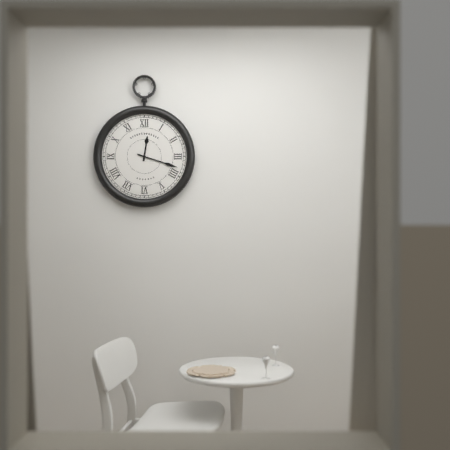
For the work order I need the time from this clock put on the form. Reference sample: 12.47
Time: 12.18
